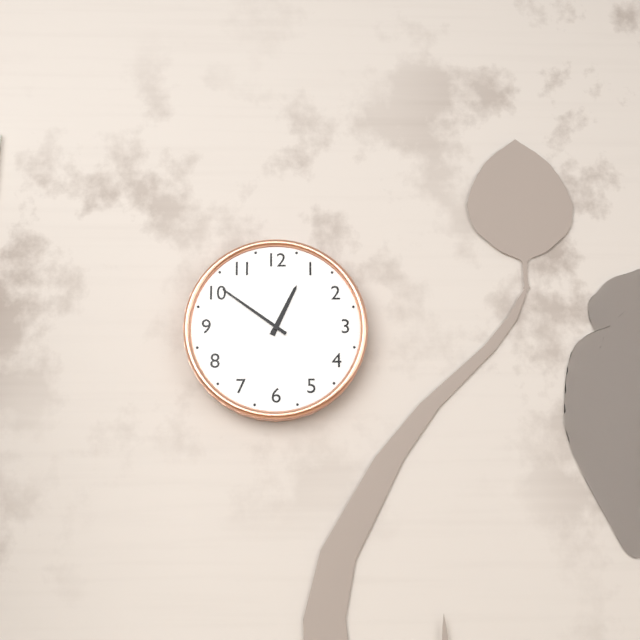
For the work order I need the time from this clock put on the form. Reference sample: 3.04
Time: 12.51
